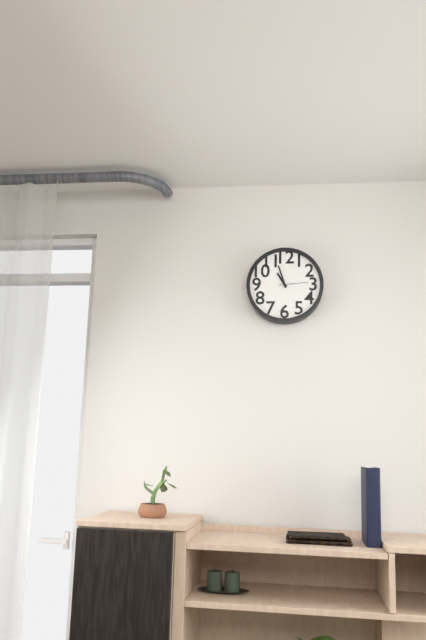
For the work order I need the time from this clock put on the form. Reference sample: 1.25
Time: 10.57
